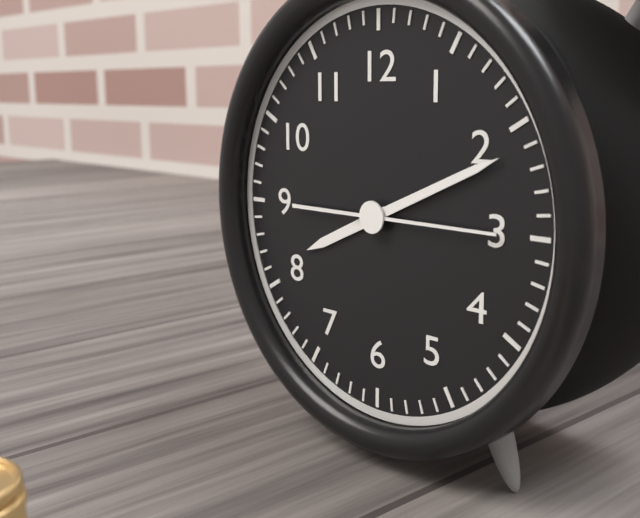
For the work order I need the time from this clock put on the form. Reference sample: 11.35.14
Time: 8.11.15
